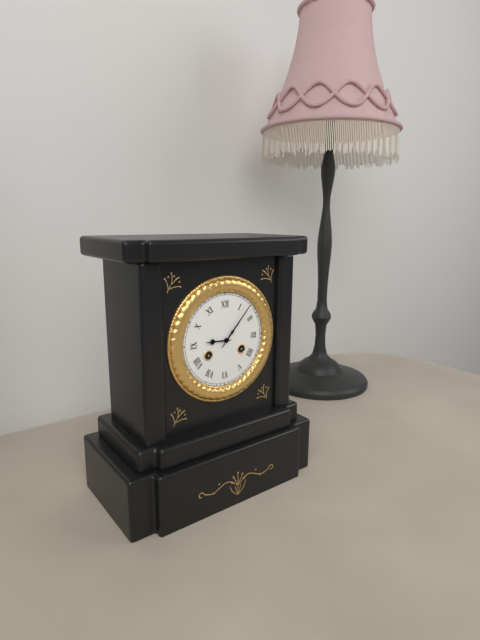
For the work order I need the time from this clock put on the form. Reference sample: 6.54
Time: 9.07
